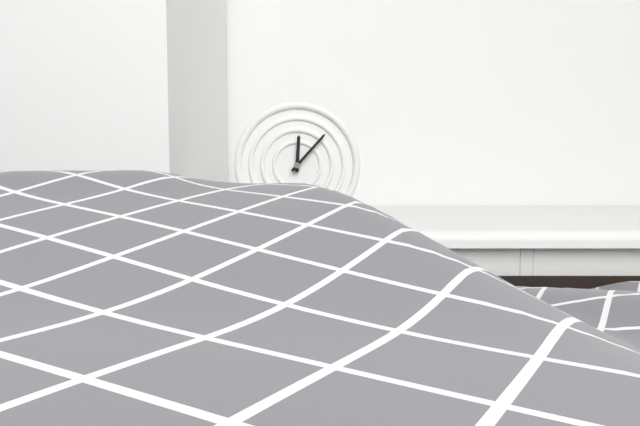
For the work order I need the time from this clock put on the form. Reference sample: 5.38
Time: 12.07
